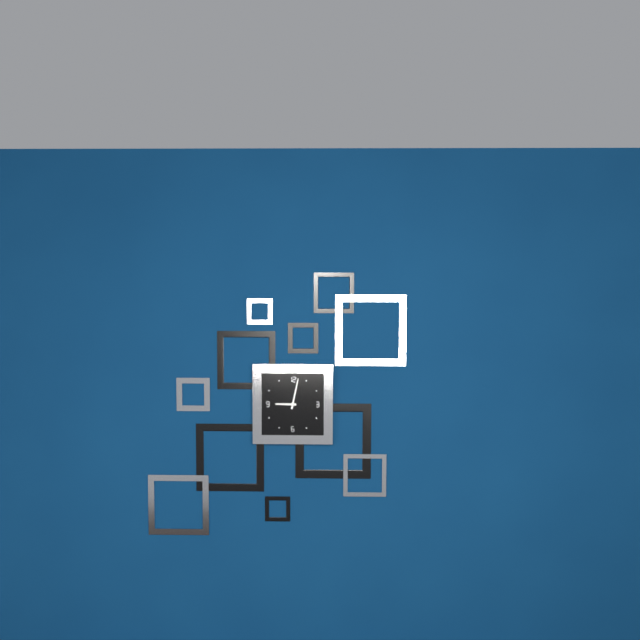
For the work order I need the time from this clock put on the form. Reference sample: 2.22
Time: 9.02
